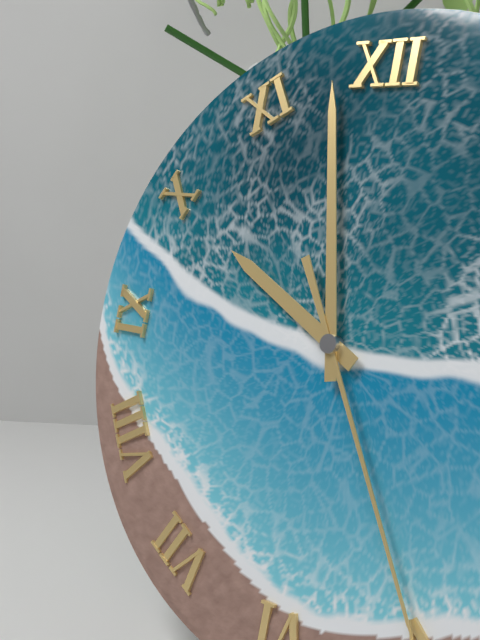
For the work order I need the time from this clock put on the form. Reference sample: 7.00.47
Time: 9.58.25
